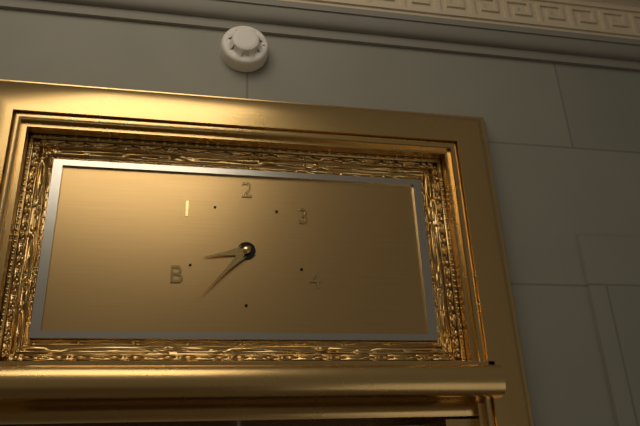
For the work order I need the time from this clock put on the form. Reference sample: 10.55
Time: 8.37
